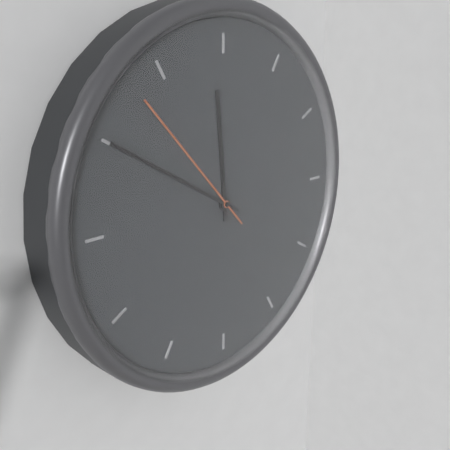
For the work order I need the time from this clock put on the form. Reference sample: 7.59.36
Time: 11.50.53
